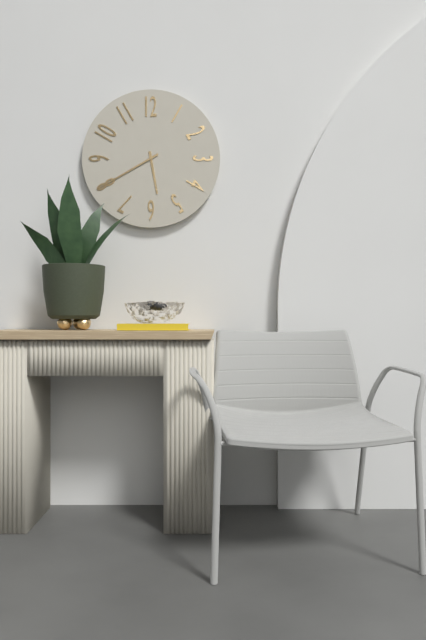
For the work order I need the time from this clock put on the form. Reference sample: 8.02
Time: 5.40
